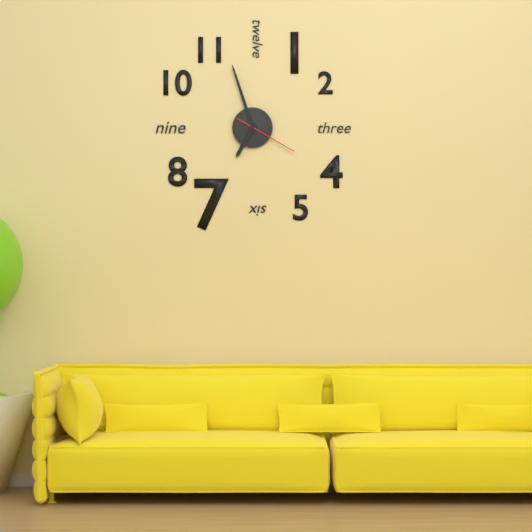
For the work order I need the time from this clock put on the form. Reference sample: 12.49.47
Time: 6.57.20
